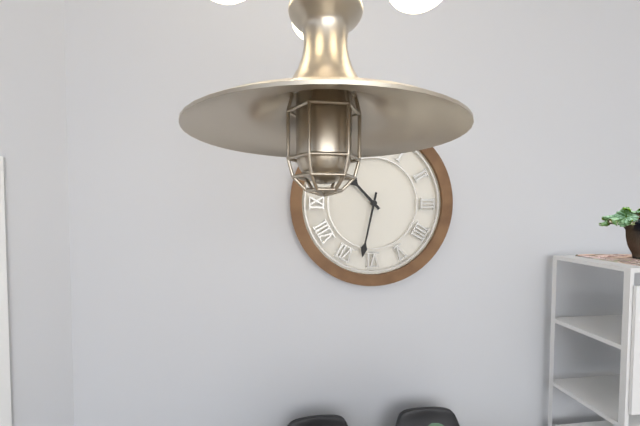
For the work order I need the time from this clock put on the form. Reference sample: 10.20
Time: 10.32
